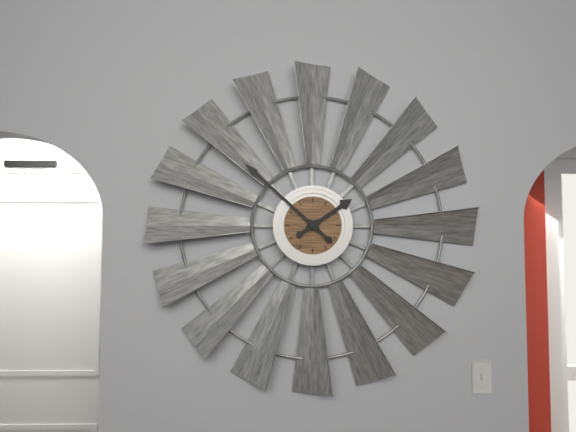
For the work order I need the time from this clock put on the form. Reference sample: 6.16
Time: 1.52
